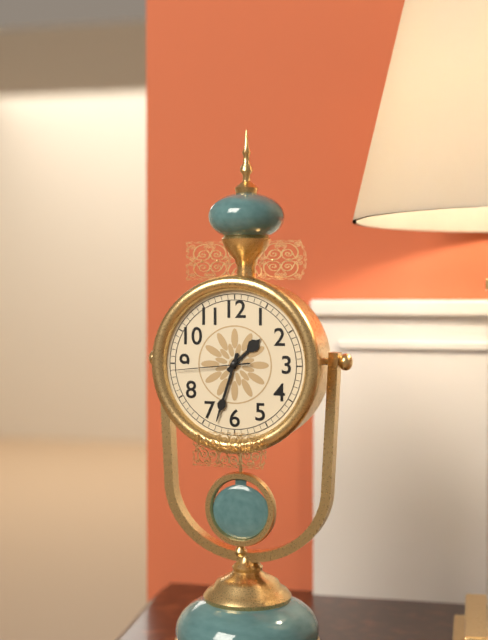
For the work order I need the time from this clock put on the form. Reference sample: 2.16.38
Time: 1.33.44
